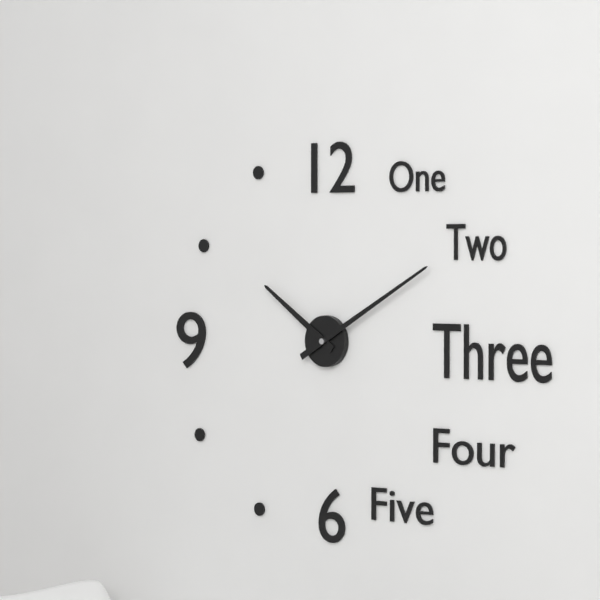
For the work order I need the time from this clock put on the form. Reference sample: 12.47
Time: 10.10
